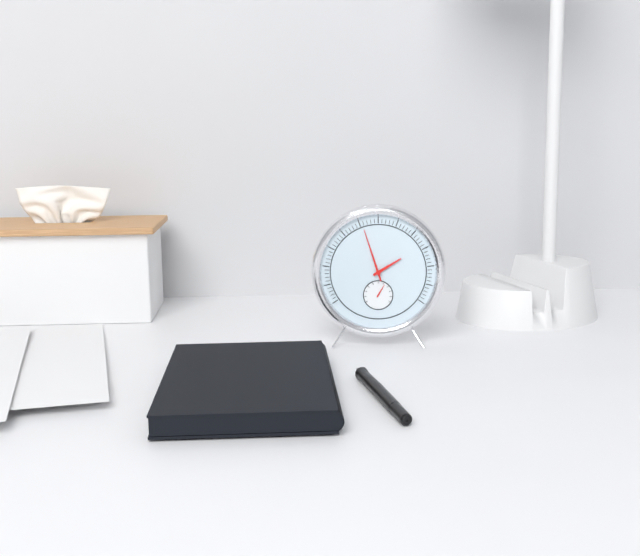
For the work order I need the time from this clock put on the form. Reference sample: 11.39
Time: 1.57
